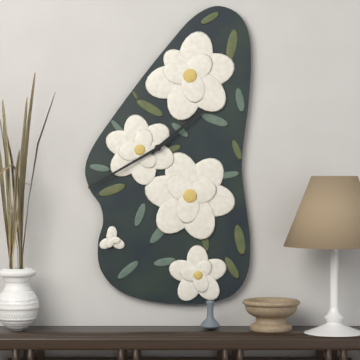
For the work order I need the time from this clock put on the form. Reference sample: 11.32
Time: 1.40
